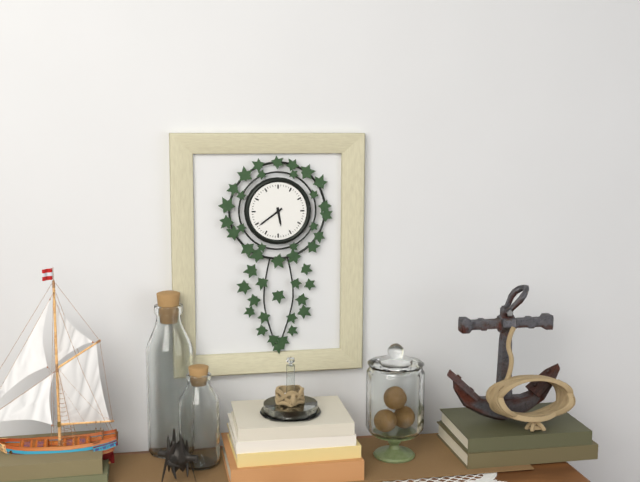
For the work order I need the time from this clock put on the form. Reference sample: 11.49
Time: 5.39
